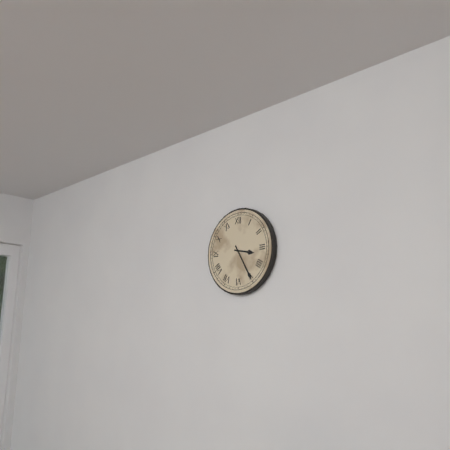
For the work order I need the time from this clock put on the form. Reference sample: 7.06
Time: 3.25
